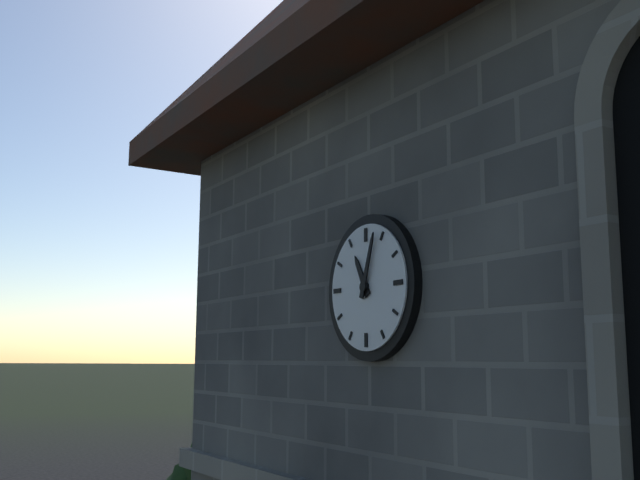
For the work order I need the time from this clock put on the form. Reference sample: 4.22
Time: 11.03
